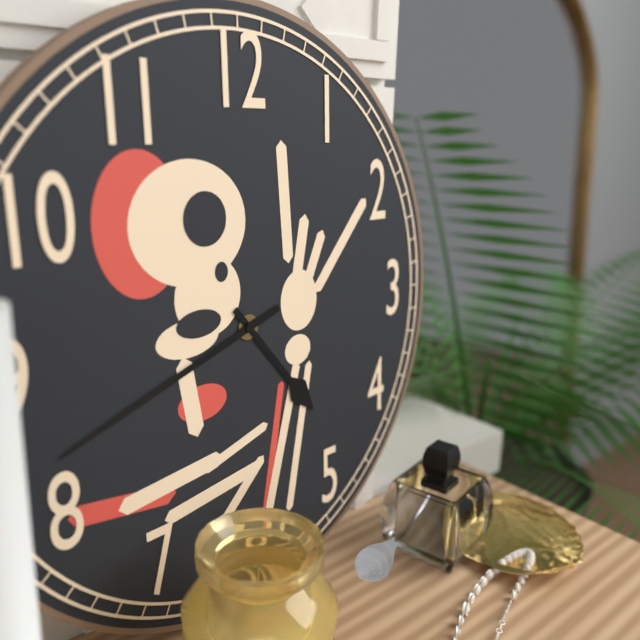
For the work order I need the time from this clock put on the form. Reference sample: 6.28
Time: 4.42
